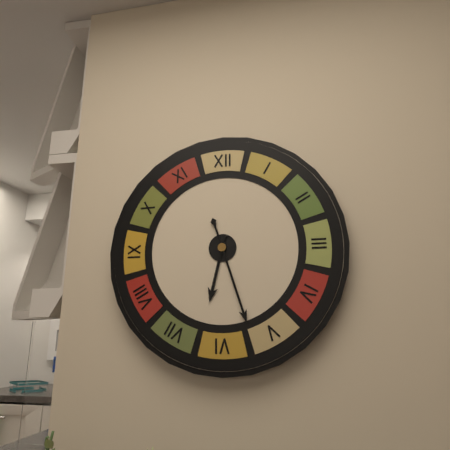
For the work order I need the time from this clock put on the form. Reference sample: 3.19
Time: 6.27
